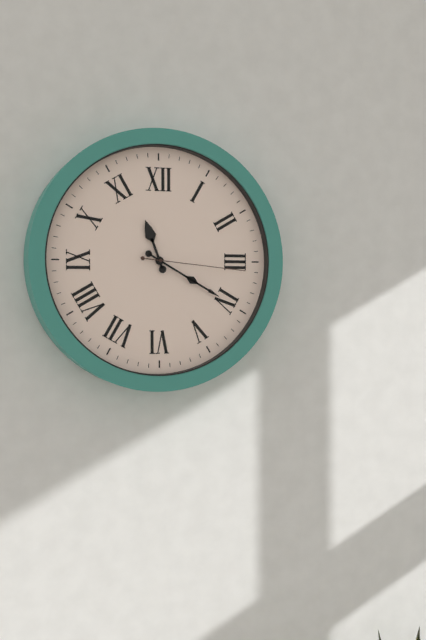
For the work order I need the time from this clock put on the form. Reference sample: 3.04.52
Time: 11.20.16
